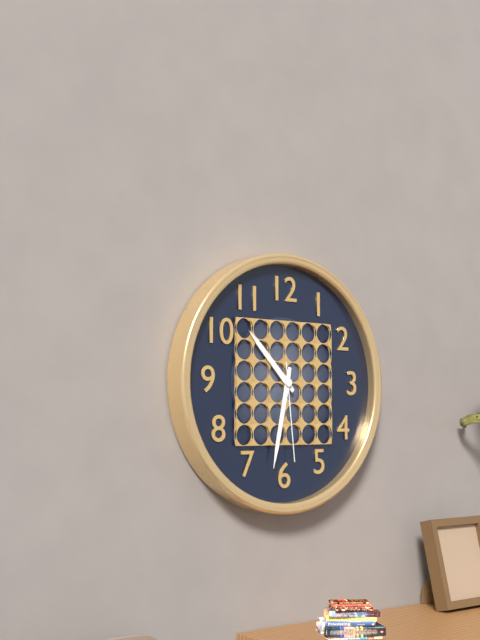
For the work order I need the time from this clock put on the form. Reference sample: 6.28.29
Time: 10.32.29
